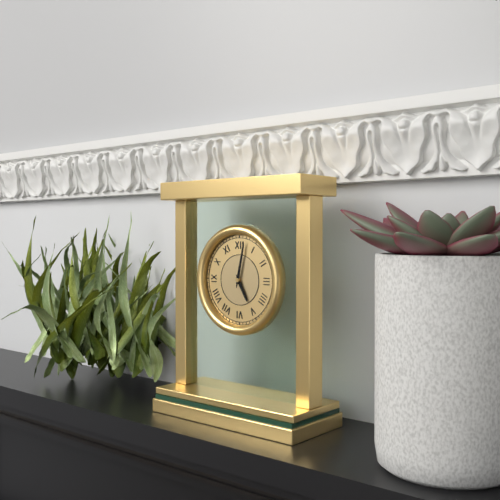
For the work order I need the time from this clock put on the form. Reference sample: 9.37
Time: 5.02
